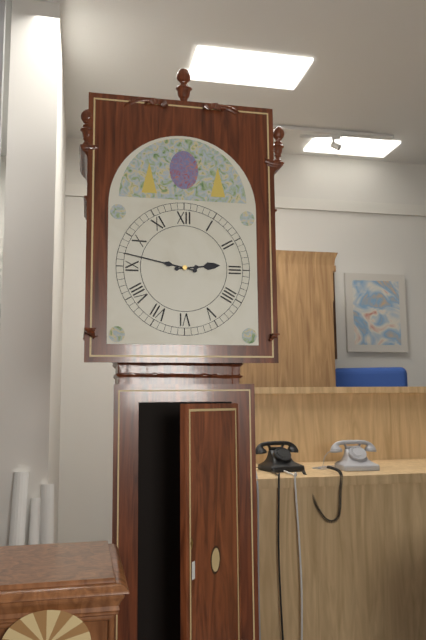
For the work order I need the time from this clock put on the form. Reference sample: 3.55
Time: 2.47
